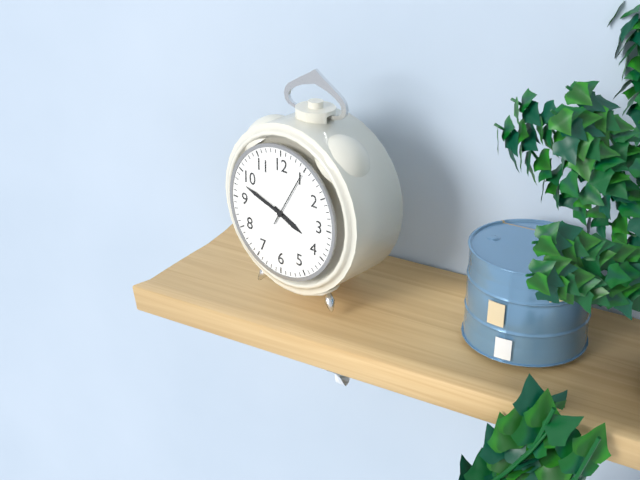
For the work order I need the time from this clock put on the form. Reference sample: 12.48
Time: 3.48
